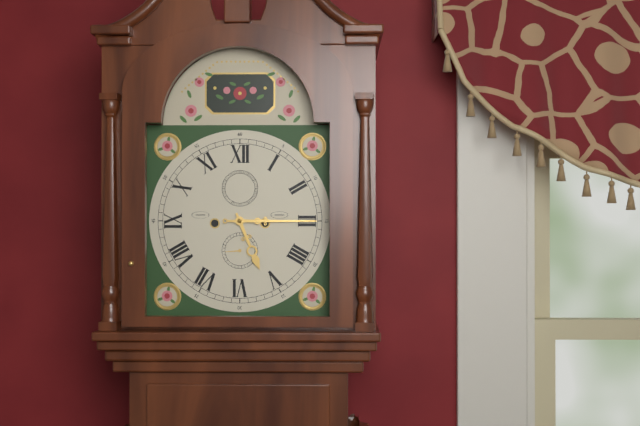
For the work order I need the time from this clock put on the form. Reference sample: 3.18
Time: 5.15
